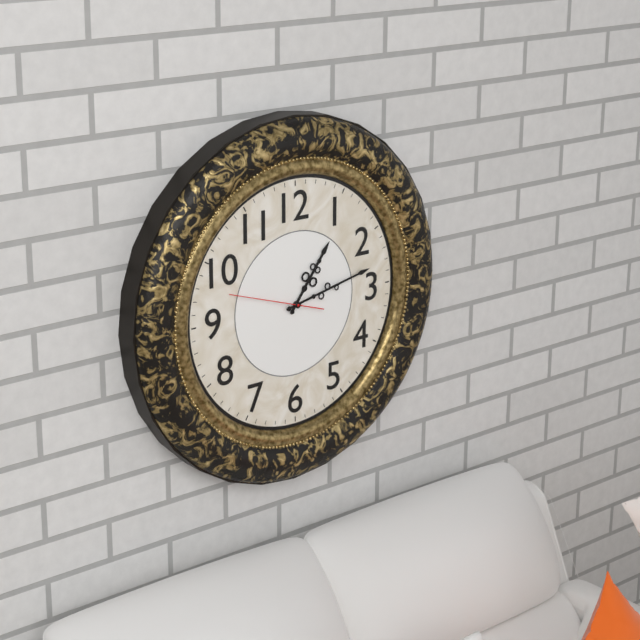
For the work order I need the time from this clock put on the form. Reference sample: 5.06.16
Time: 1.13.48
